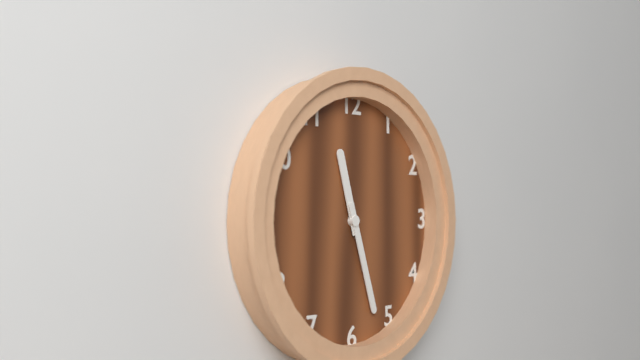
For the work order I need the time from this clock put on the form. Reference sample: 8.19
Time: 11.27
